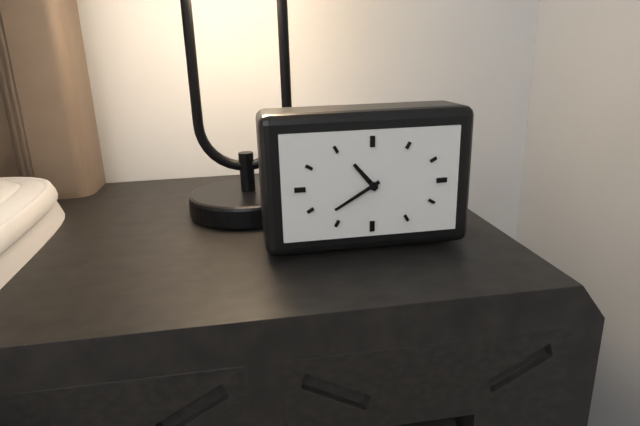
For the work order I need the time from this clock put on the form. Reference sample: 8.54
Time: 10.40
